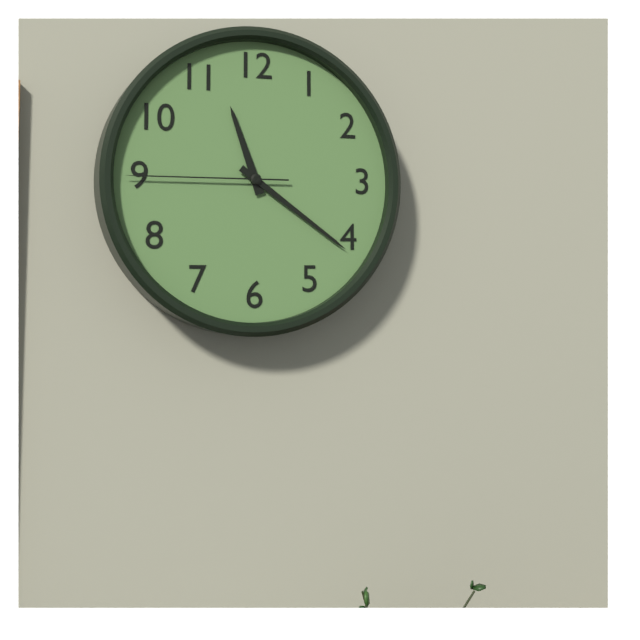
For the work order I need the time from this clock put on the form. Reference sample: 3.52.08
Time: 11.21.45
